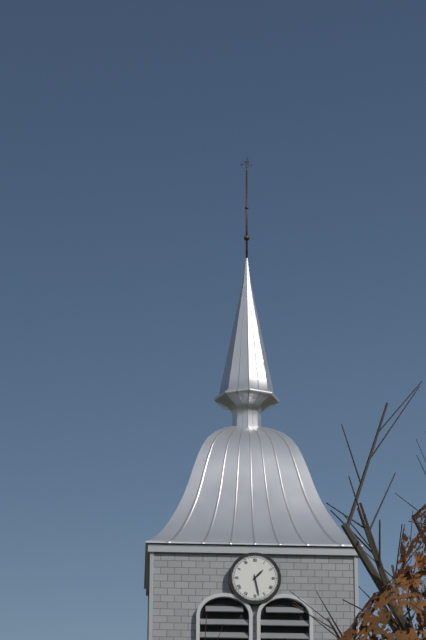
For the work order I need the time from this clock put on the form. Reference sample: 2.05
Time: 1.28
